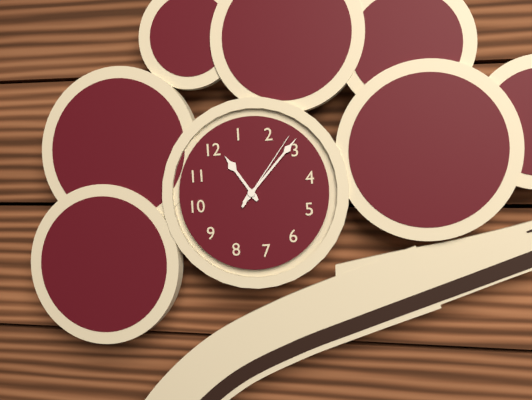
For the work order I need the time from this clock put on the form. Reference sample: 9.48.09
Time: 12.14.13
